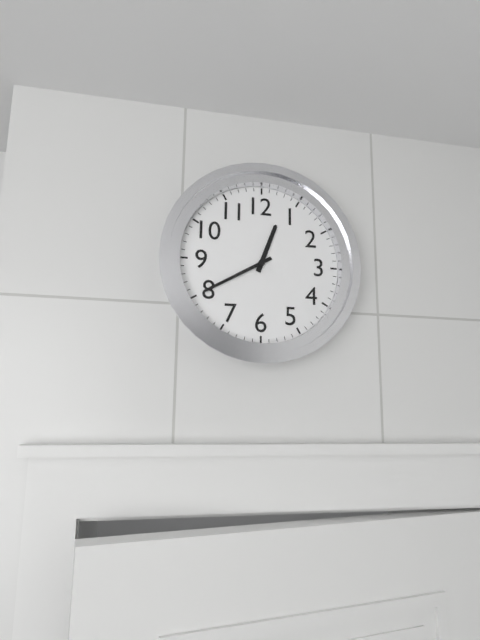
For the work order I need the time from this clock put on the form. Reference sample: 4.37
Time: 12.40
